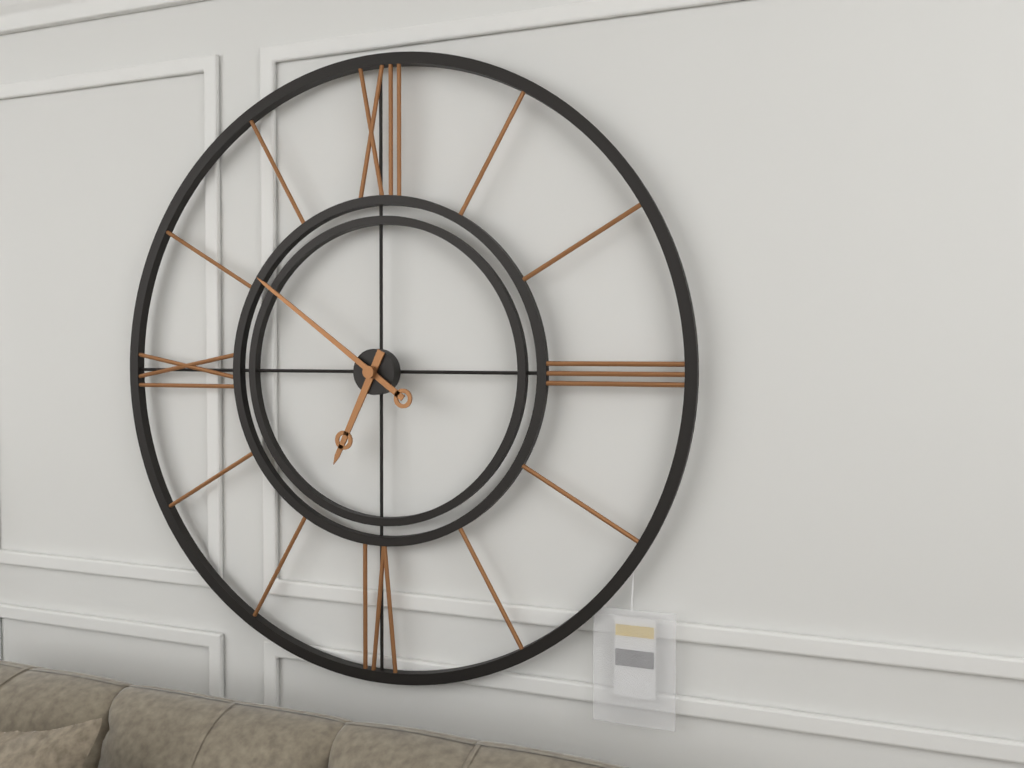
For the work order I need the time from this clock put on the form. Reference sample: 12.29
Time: 6.51
